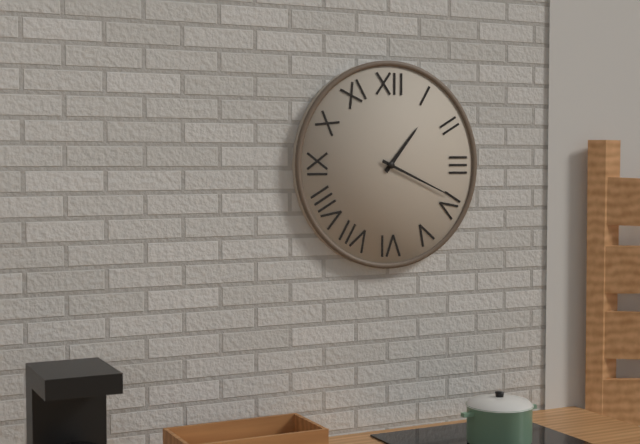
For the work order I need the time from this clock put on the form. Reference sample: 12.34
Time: 1.19
